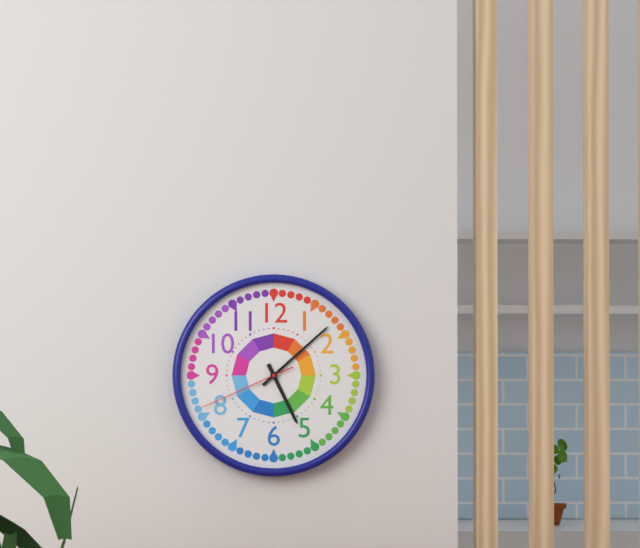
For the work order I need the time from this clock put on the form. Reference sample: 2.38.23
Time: 5.08.41
